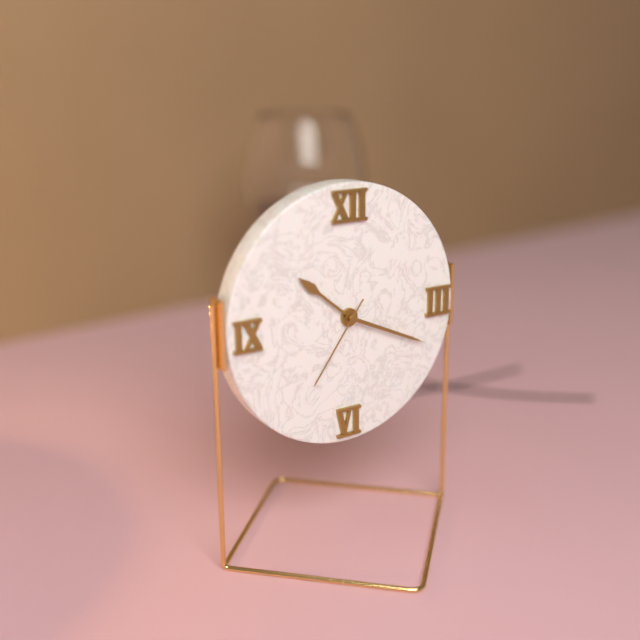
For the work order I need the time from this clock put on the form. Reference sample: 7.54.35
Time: 10.19.36
